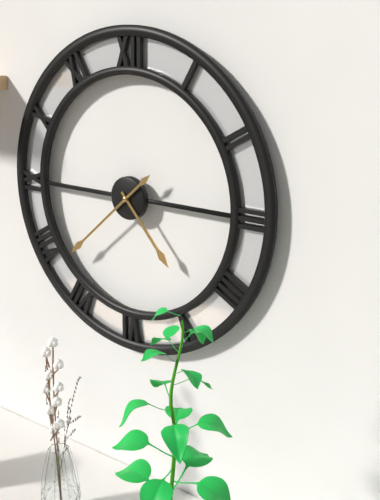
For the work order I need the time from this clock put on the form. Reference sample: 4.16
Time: 4.38
